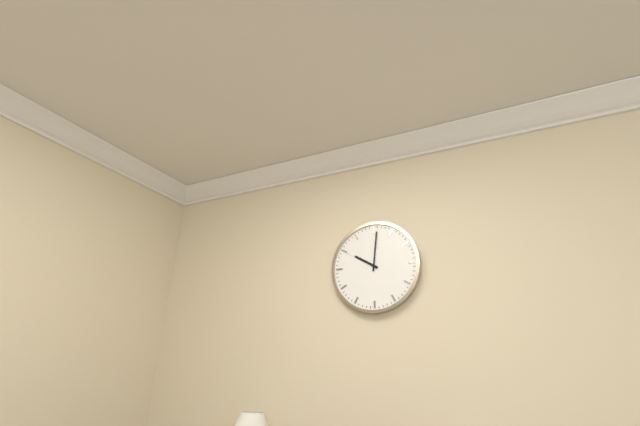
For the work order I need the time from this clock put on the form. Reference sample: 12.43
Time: 10.01
